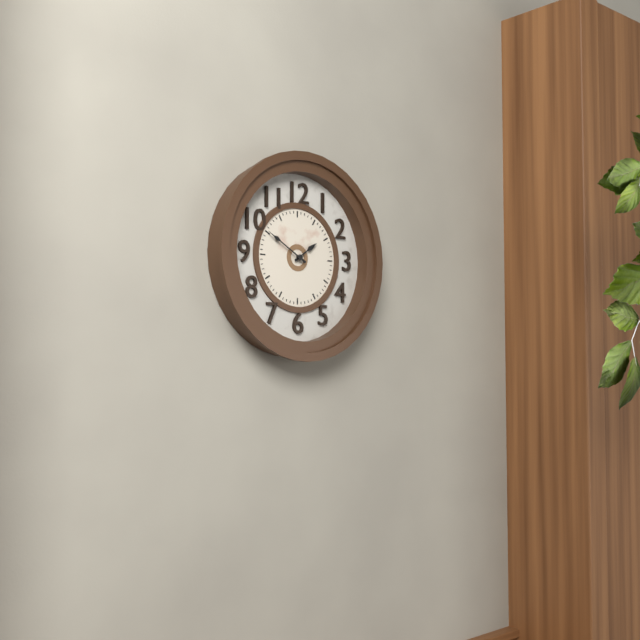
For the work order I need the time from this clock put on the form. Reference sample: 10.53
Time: 1.50
